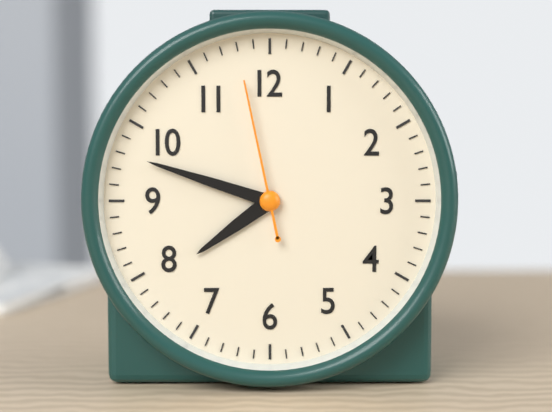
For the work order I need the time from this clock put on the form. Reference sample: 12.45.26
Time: 7.48.58
